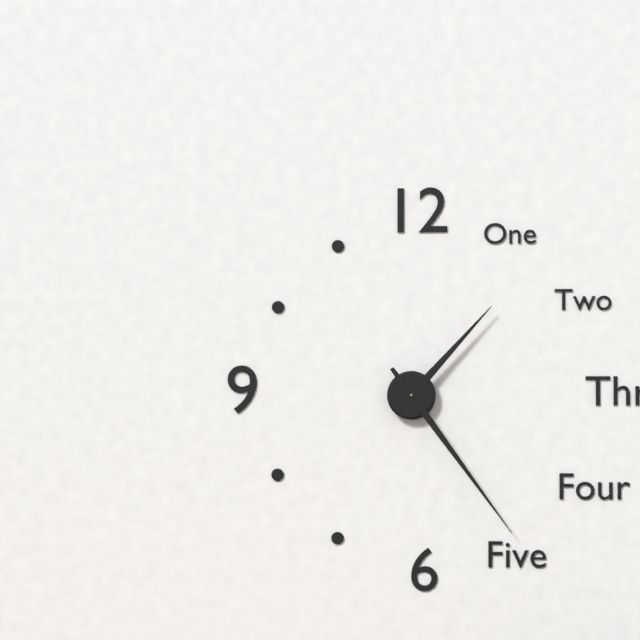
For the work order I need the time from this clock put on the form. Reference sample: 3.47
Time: 1.24
